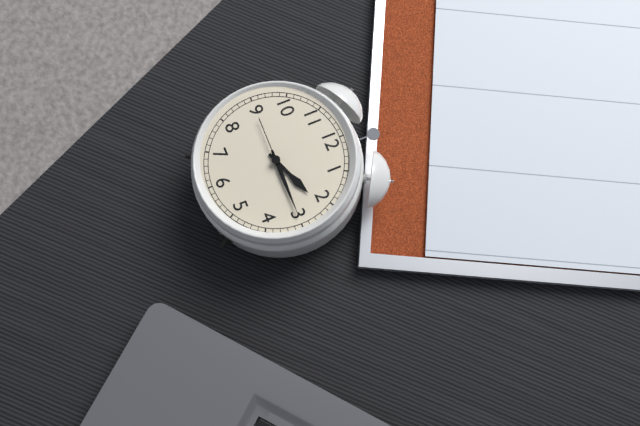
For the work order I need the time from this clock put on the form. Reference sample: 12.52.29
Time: 2.15.45
